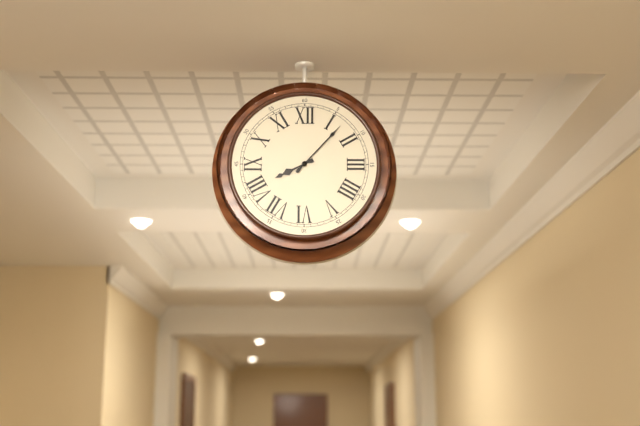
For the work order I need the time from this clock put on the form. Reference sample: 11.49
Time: 8.07
